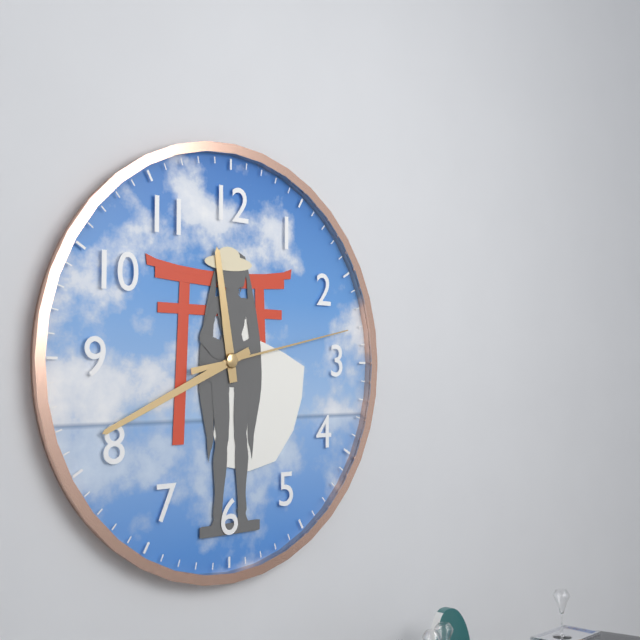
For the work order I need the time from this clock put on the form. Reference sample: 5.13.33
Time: 11.41.13
